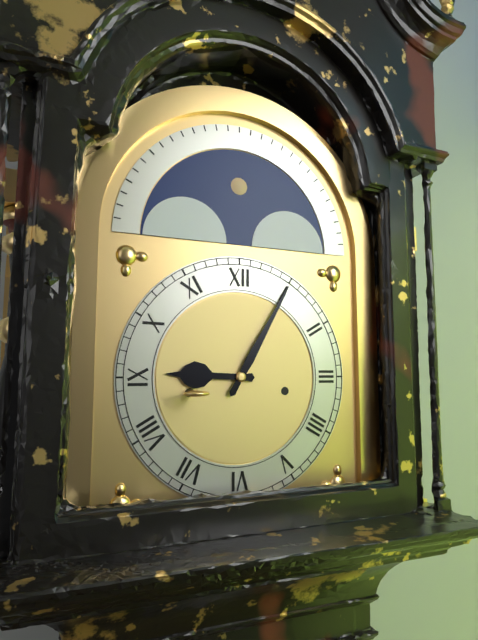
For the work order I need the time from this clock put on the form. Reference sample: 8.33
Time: 9.05
